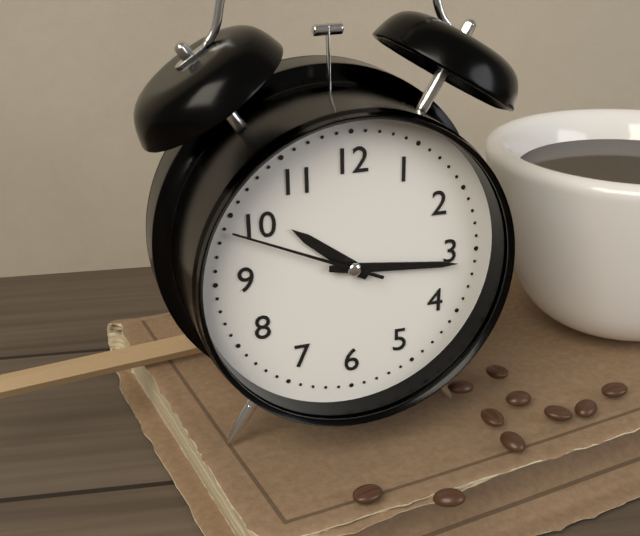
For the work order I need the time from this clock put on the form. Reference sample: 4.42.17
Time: 10.16.49
